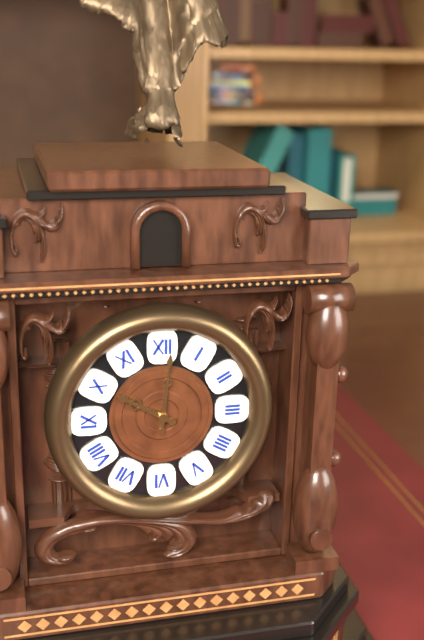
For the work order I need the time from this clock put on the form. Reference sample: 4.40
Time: 10.01
